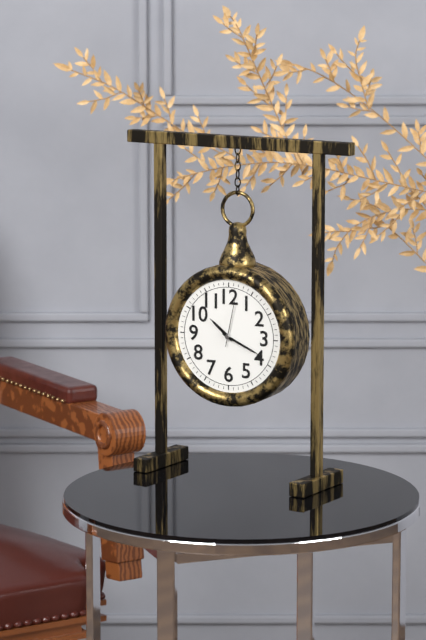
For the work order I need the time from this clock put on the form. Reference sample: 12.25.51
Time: 10.19.02
